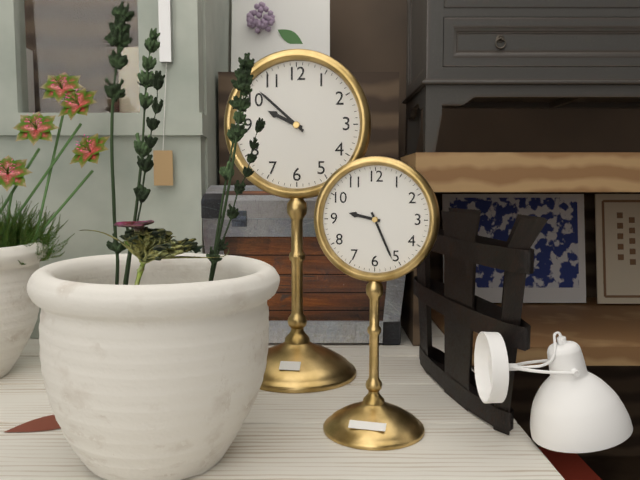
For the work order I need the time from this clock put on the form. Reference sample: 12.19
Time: 9.52
